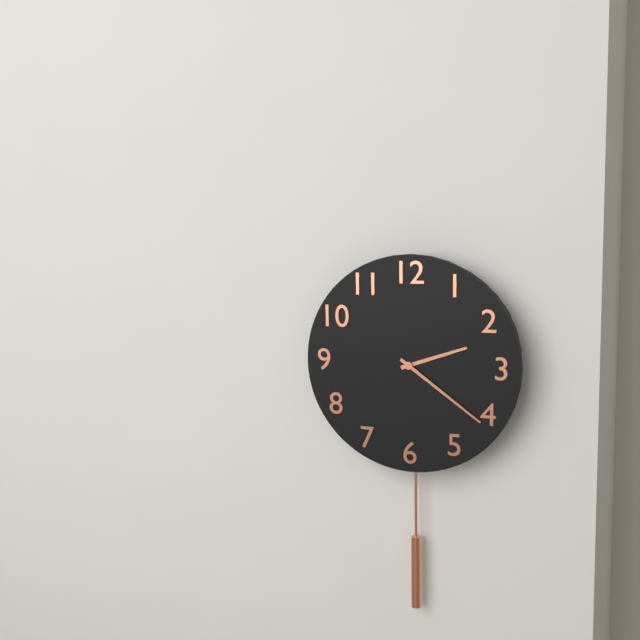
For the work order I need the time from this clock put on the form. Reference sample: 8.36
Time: 2.21
